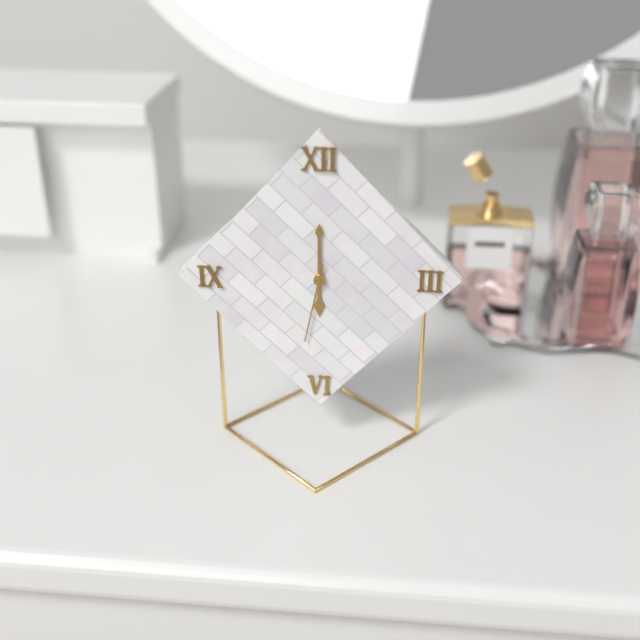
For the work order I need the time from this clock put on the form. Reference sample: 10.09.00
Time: 6.00.32
